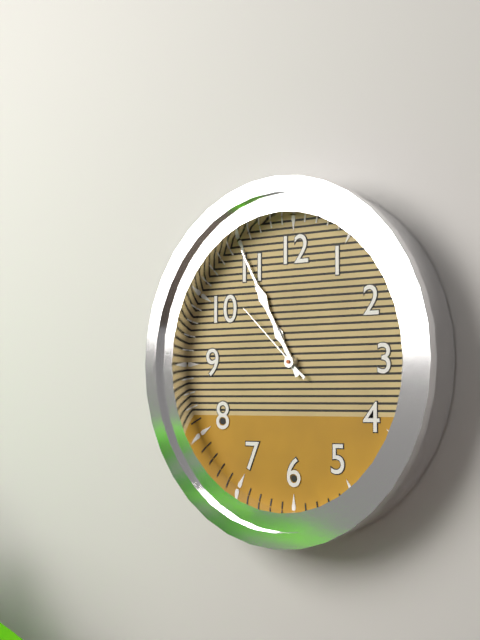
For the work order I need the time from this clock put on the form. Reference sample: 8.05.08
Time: 10.55.52
